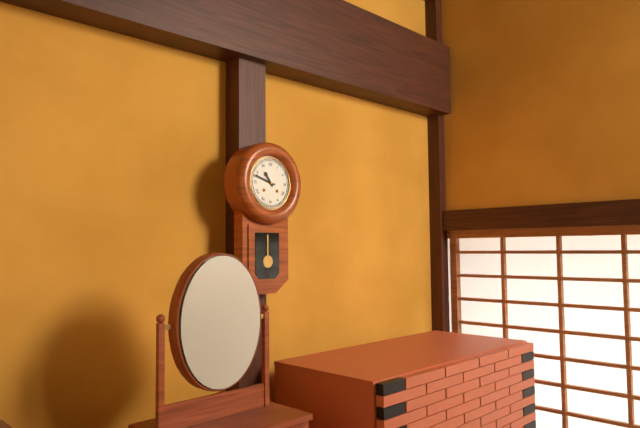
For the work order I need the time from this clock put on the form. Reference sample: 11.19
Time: 10.48
